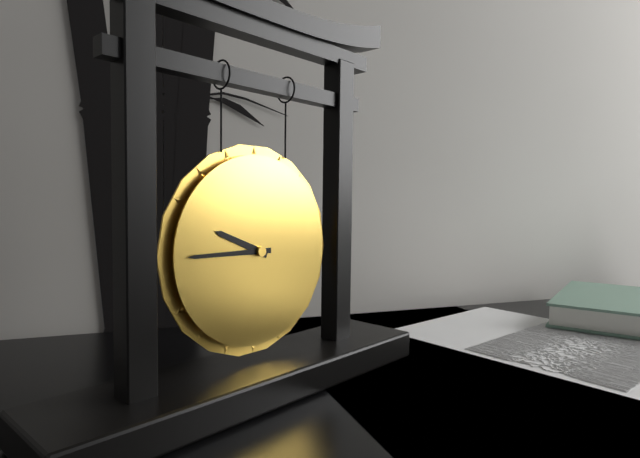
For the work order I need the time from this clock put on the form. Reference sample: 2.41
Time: 9.45
